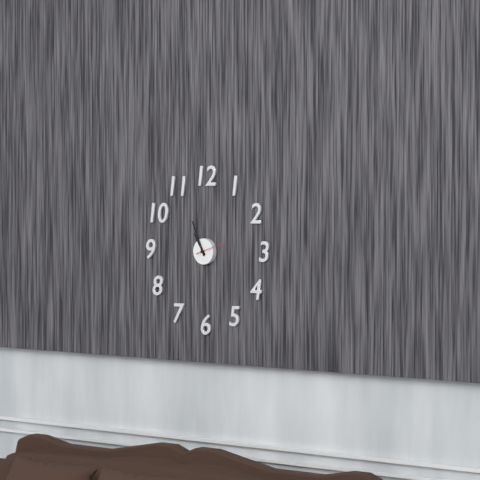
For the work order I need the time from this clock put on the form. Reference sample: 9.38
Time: 10.56
